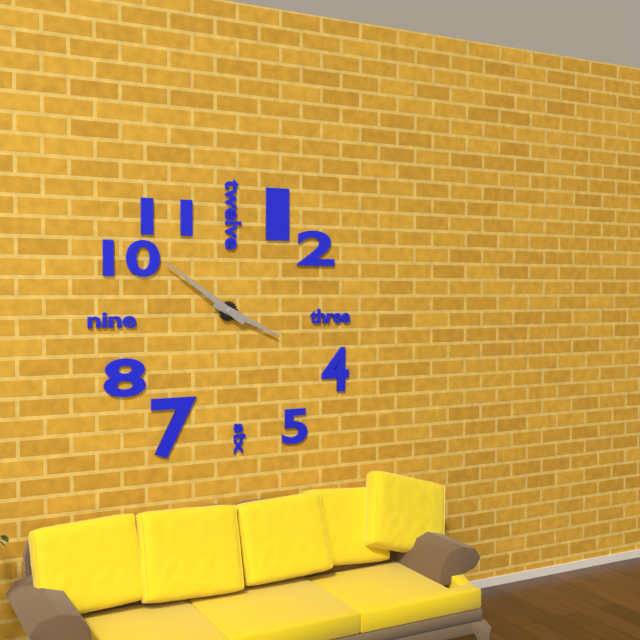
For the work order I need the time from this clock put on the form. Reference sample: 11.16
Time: 3.51
